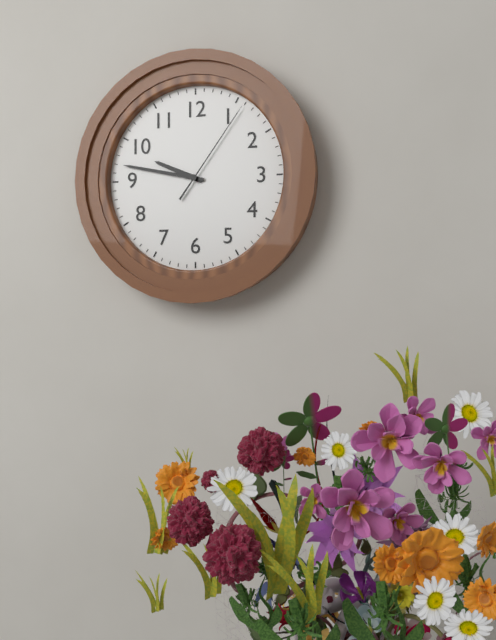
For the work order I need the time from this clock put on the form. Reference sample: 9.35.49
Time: 9.47.06
